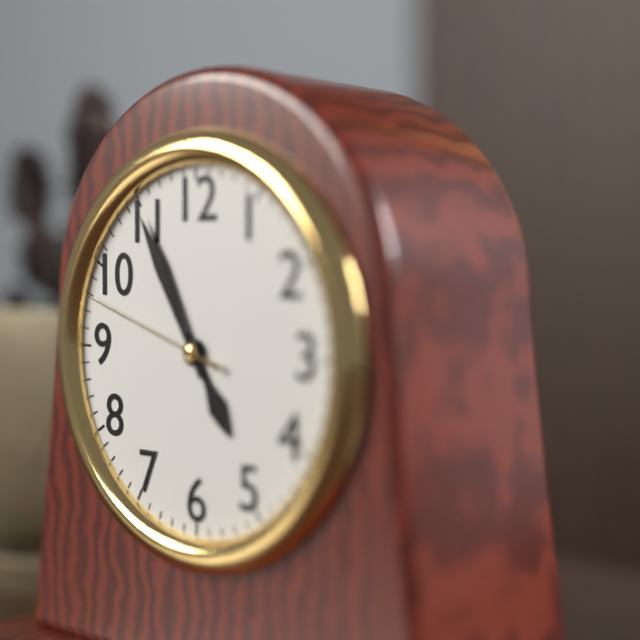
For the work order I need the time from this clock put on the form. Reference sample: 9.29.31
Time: 4.55.48
